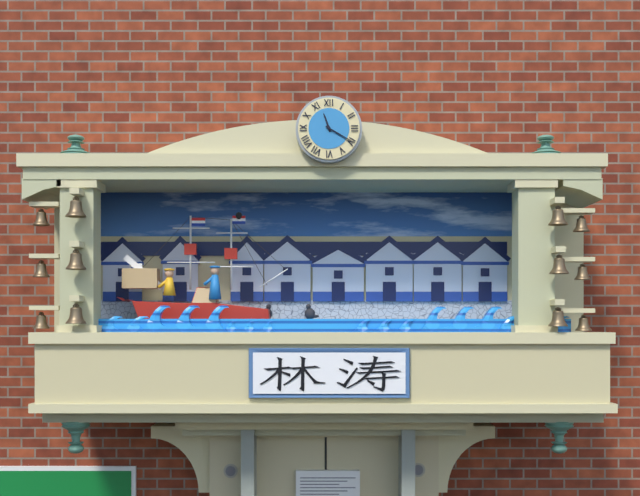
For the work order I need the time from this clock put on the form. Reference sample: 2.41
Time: 11.20
